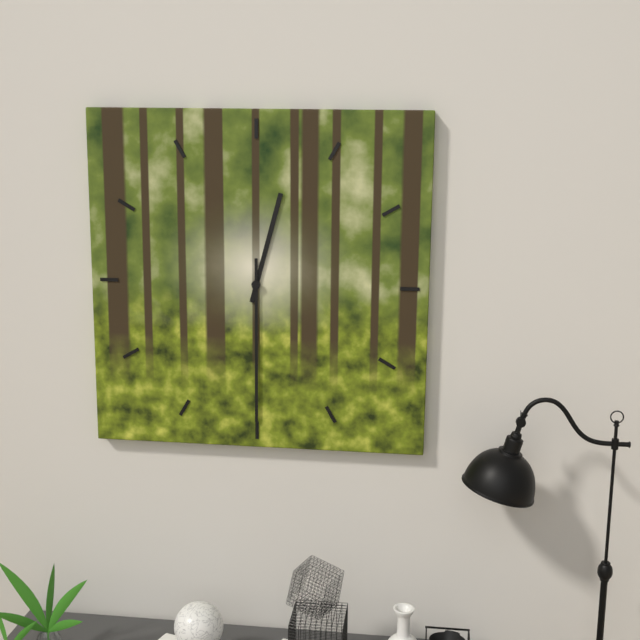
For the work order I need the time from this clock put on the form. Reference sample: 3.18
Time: 12.30
